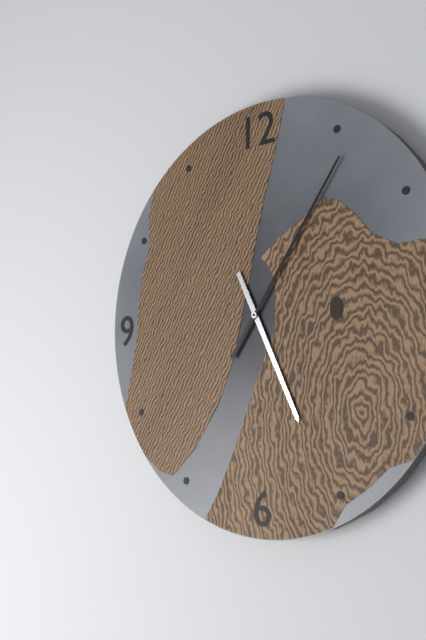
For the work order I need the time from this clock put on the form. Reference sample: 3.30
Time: 5.06
